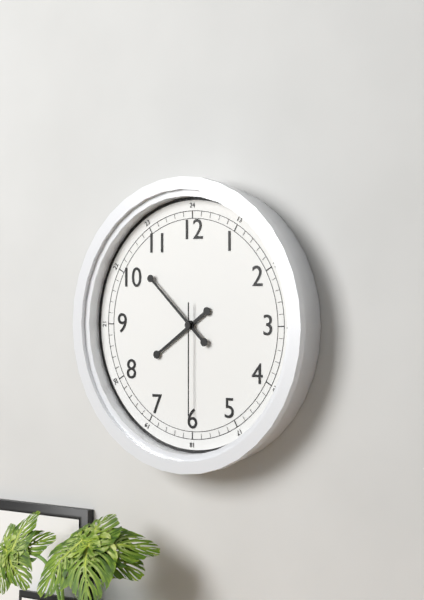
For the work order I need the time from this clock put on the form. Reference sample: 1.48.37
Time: 7.52.30
